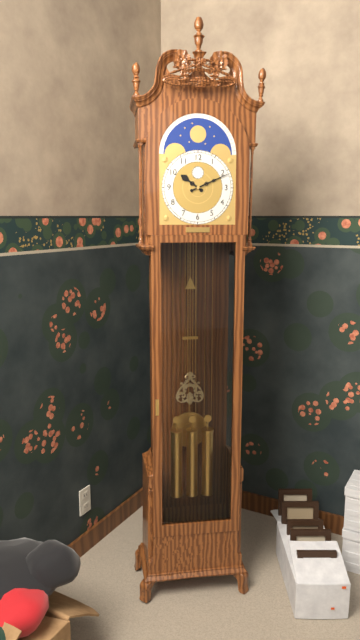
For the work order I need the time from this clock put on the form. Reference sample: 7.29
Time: 10.11
